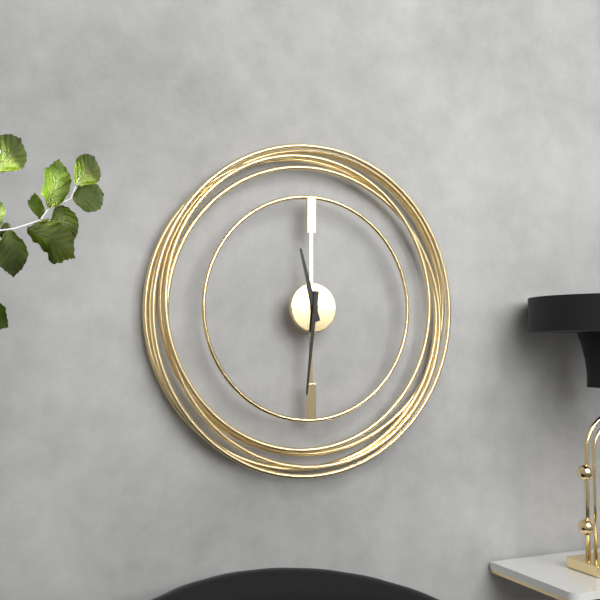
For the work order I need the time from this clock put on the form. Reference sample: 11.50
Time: 11.31
